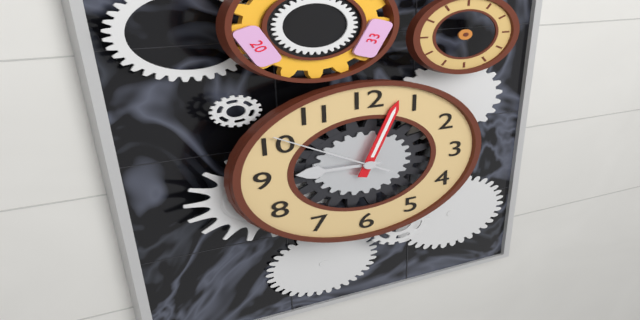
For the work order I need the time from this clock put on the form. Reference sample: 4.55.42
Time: 9.03.51
